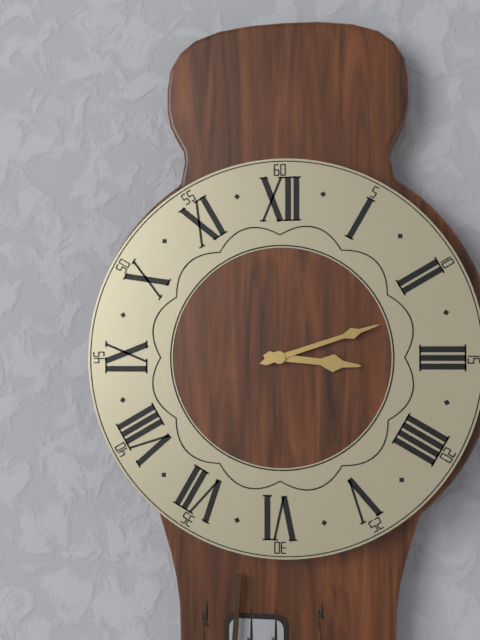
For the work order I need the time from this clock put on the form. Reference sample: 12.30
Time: 3.12
